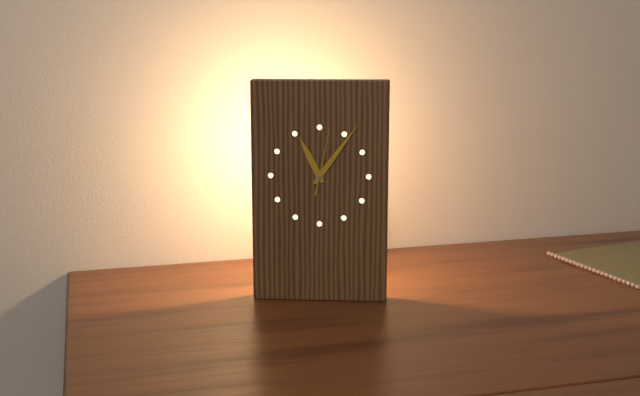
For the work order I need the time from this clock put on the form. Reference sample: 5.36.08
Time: 11.06.02
